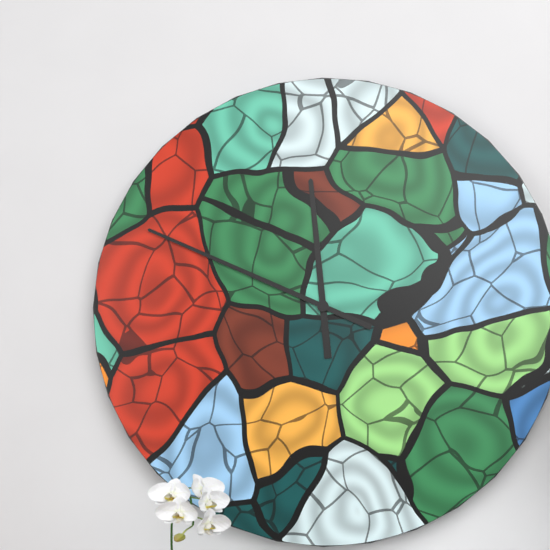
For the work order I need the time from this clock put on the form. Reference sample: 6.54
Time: 11.49
